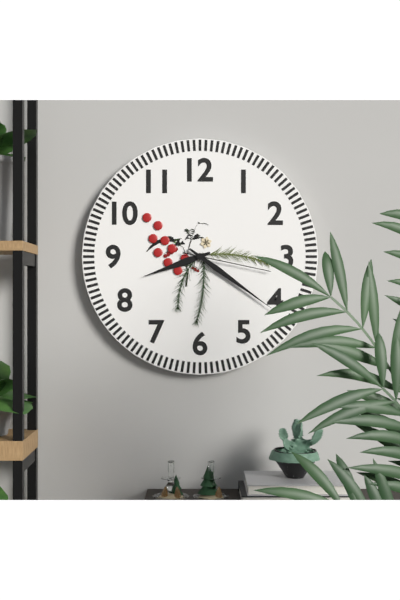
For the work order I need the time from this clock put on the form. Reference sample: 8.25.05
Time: 8.21.17
